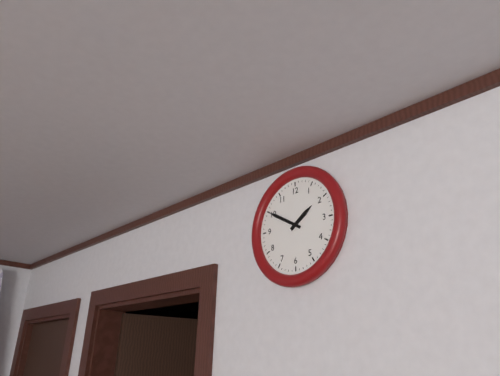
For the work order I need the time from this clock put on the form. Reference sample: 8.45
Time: 1.50
